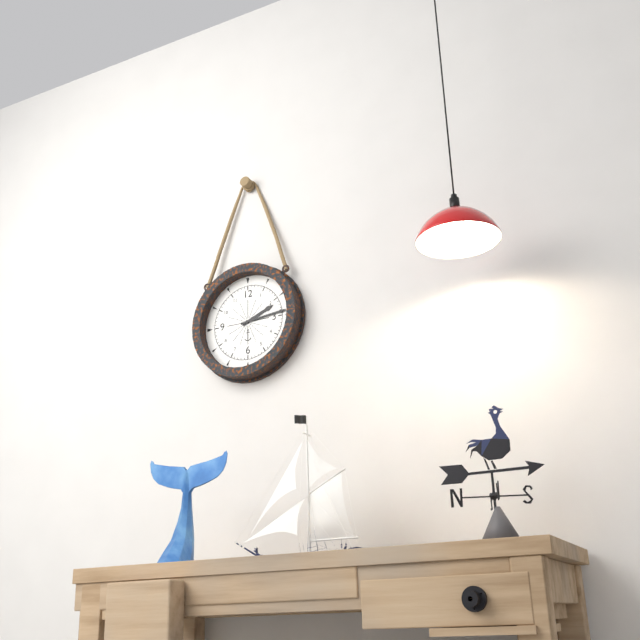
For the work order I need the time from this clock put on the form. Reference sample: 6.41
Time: 2.14
